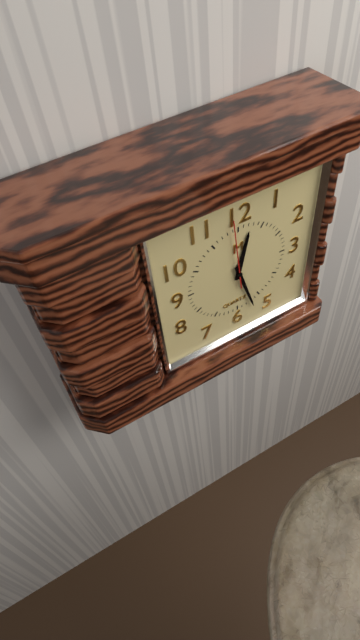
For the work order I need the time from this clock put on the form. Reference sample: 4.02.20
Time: 12.27.59
